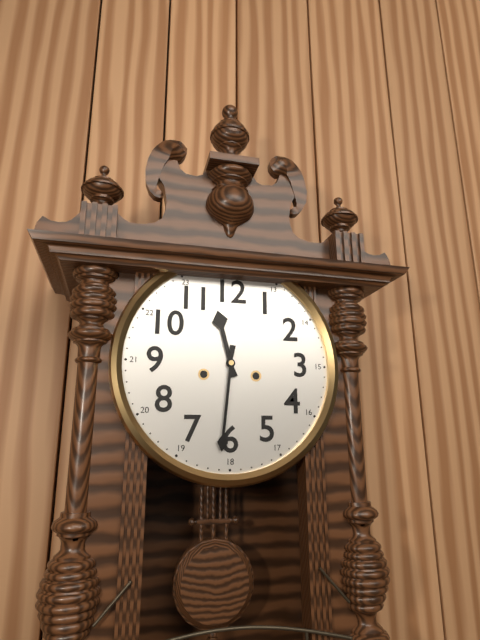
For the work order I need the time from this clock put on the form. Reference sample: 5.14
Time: 11.31
